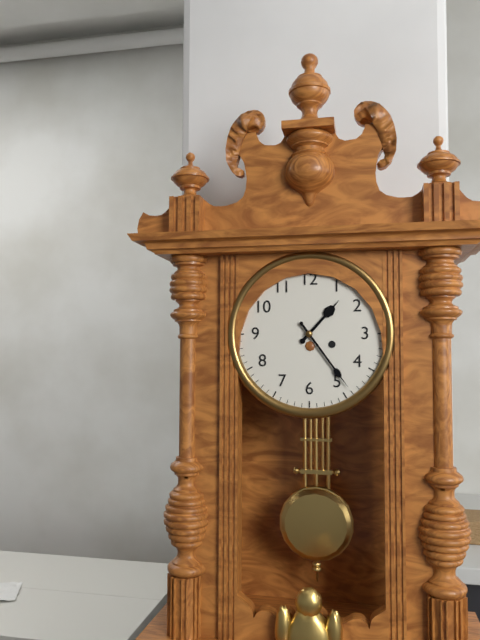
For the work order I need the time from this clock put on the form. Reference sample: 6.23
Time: 1.24
